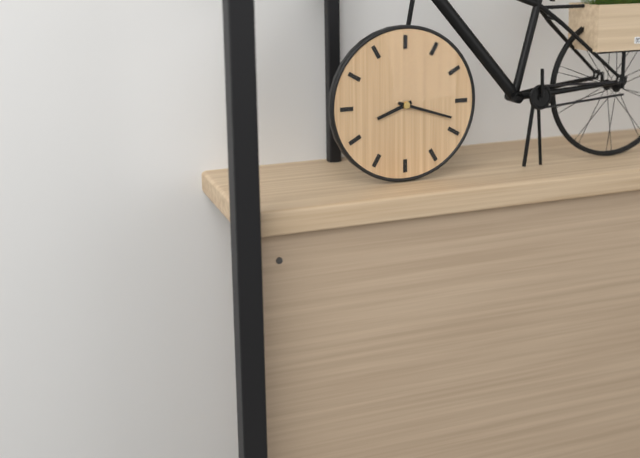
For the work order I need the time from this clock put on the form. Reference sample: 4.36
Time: 8.18
